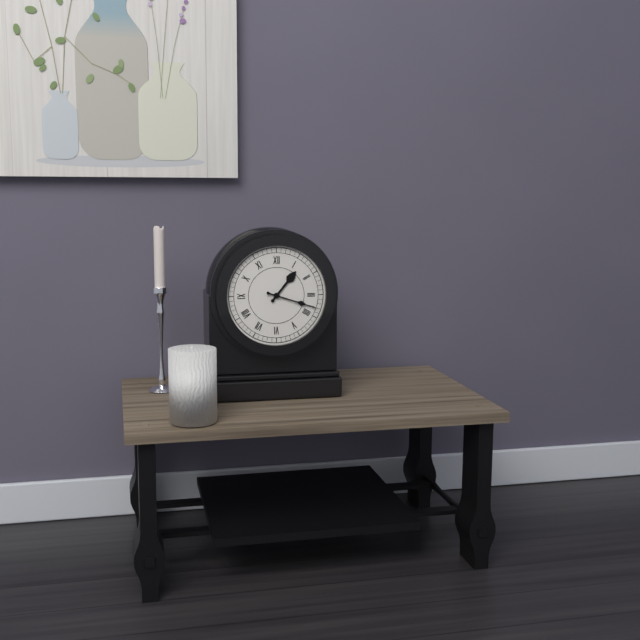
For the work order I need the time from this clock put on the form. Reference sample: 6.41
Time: 1.18
